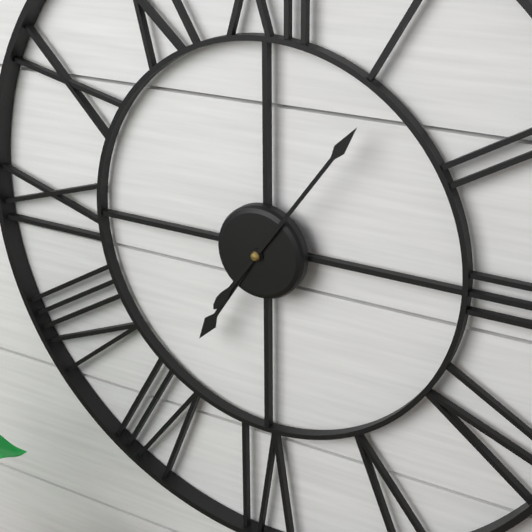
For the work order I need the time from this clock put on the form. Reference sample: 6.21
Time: 7.06
